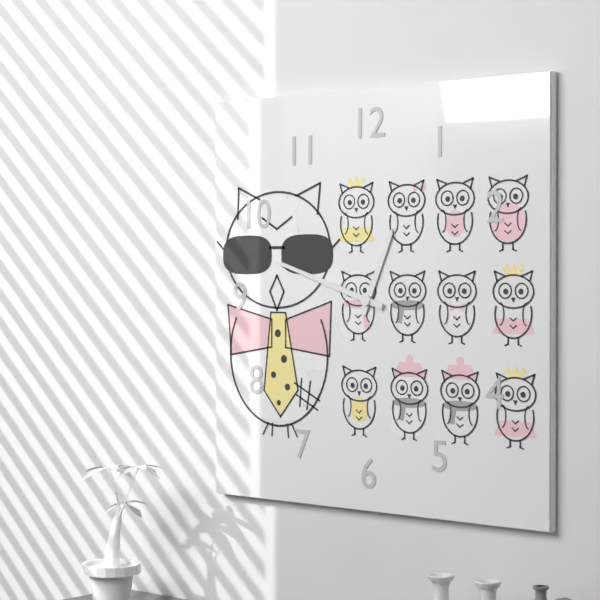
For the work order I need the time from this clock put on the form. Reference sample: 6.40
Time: 12.48
